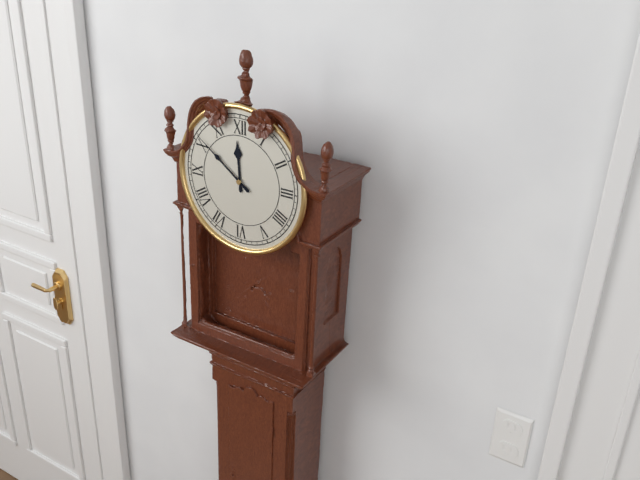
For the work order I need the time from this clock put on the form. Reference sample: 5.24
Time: 11.51
